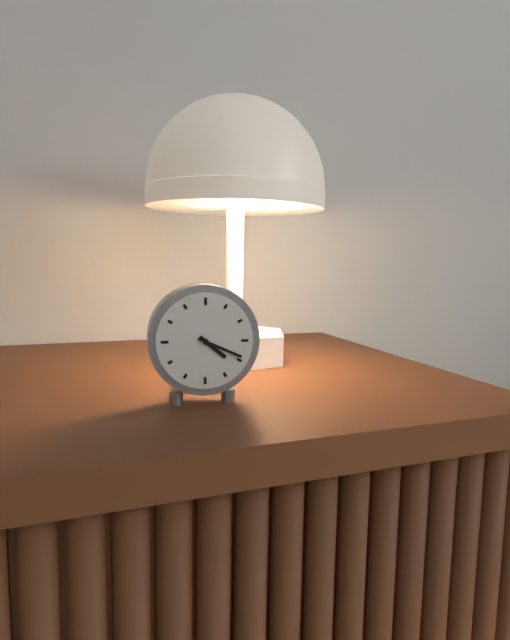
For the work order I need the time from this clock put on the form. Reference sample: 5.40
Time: 4.19
